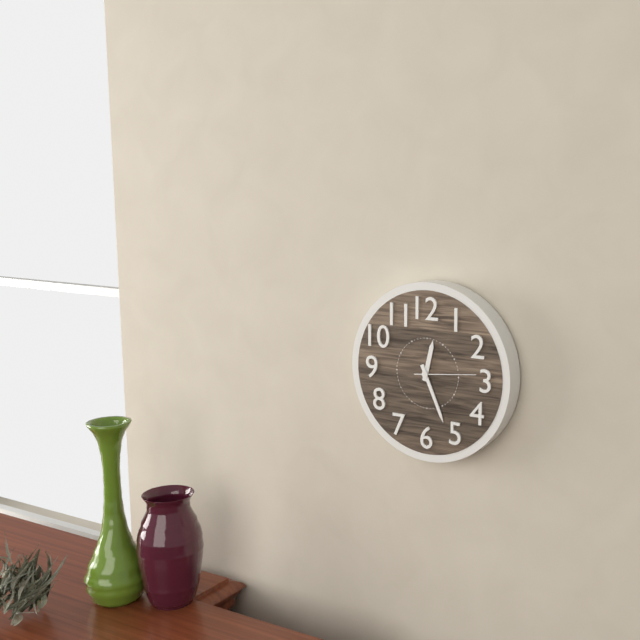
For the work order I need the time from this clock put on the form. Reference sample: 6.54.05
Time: 12.26.14
